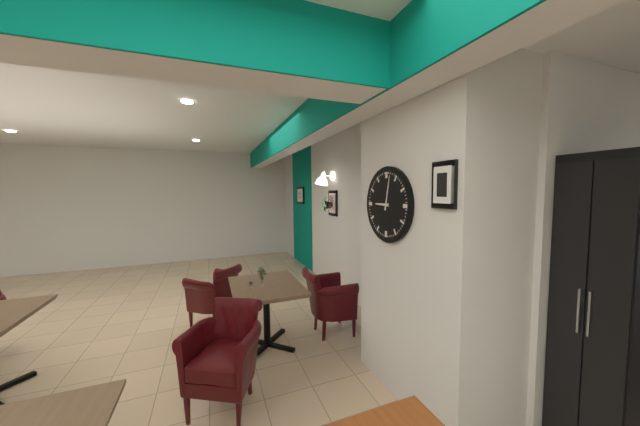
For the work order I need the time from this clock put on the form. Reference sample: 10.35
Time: 9.02
